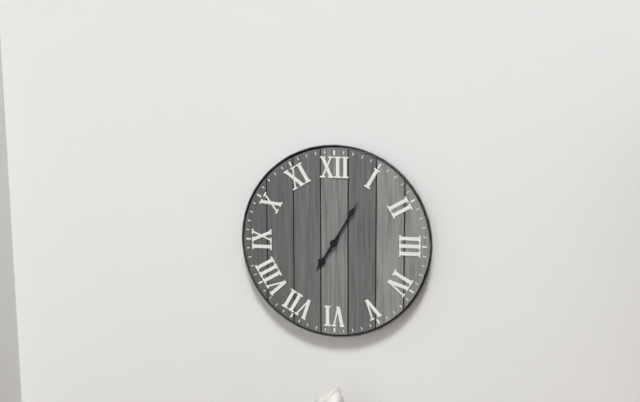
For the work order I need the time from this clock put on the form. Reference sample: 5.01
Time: 7.05
